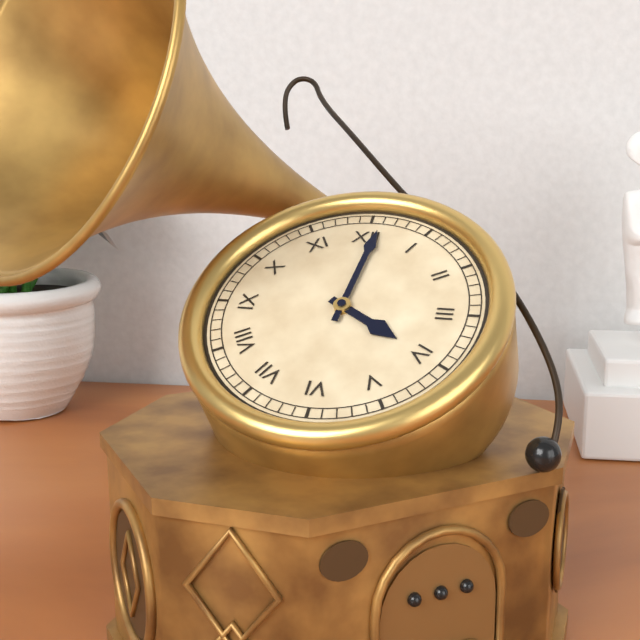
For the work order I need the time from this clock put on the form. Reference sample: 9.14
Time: 4.01
